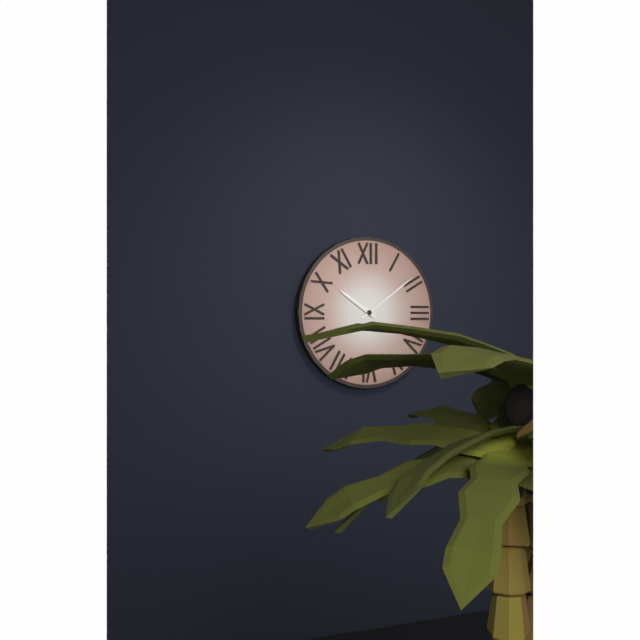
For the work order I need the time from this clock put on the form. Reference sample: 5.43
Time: 10.09
